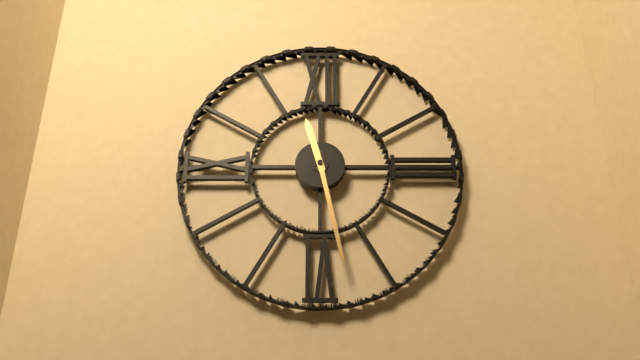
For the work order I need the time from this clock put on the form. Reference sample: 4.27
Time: 11.28
